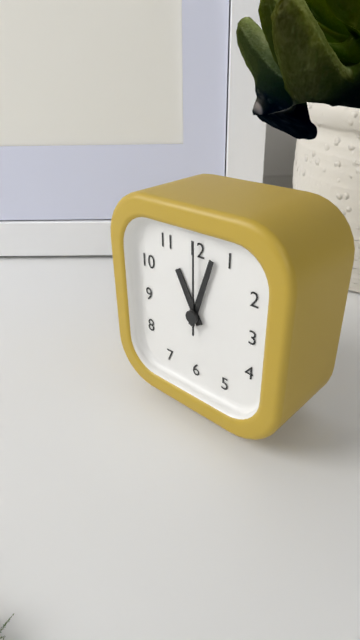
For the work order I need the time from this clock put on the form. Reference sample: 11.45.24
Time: 11.03.00
